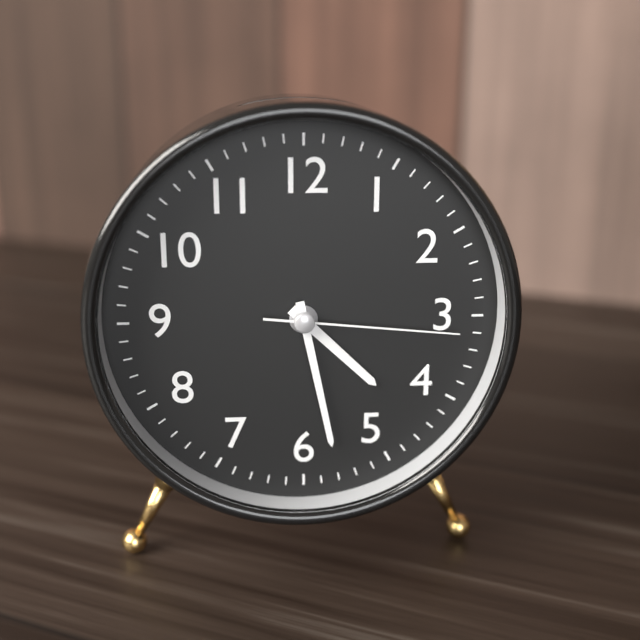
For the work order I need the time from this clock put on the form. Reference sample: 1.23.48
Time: 4.28.16
